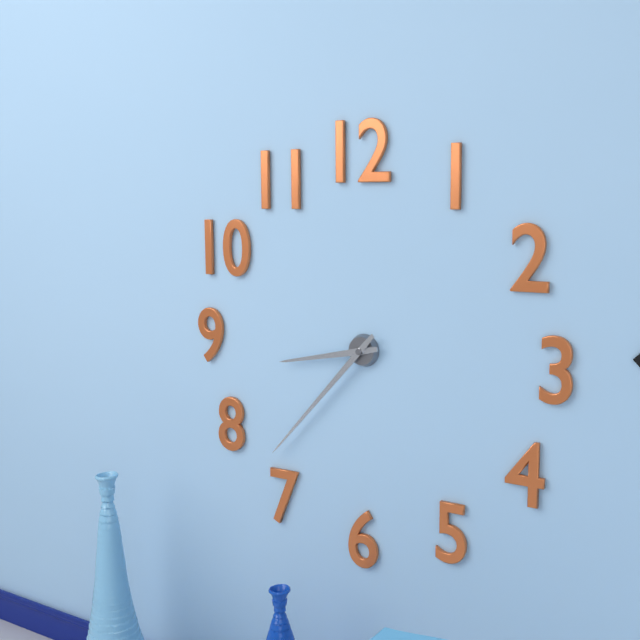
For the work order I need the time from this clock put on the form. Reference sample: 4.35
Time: 8.37
